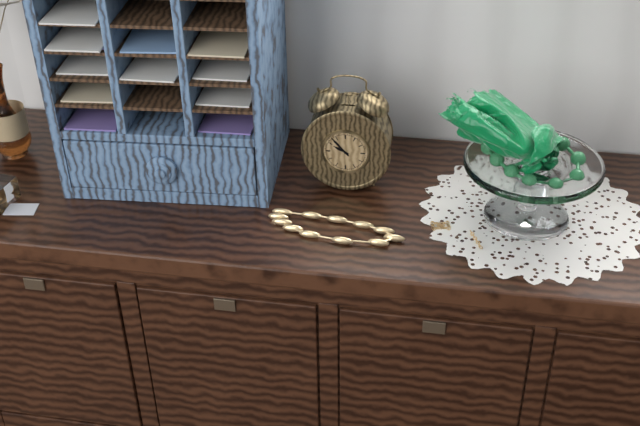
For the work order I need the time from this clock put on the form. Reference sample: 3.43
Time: 9.53
